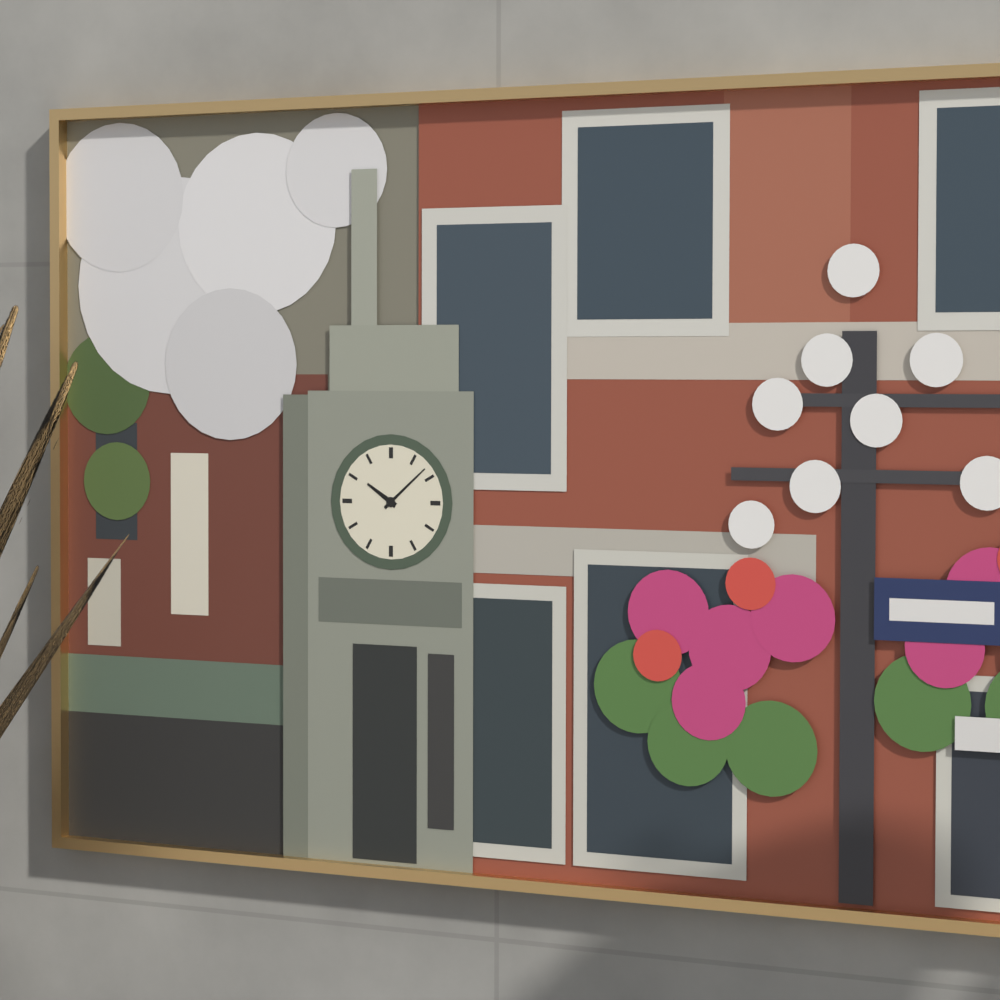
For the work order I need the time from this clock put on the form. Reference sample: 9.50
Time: 10.08
